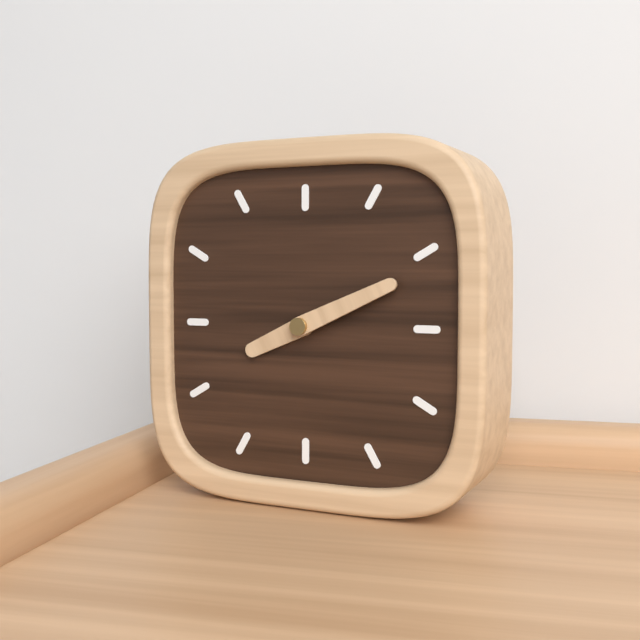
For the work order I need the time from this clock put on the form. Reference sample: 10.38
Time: 8.11
